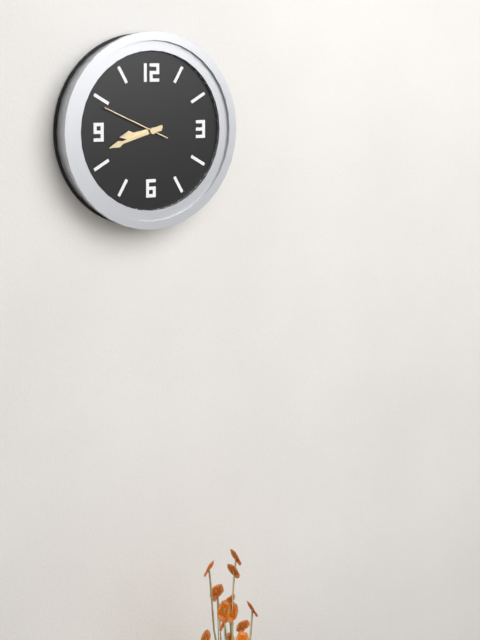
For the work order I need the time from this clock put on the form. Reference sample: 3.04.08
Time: 8.42.49
